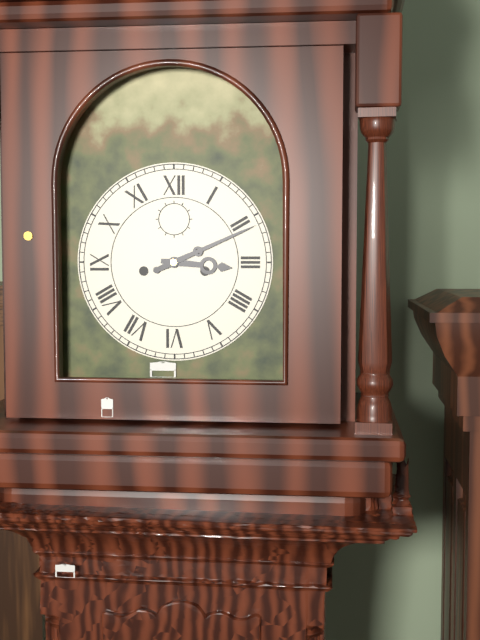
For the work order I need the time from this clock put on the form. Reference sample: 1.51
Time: 3.11
